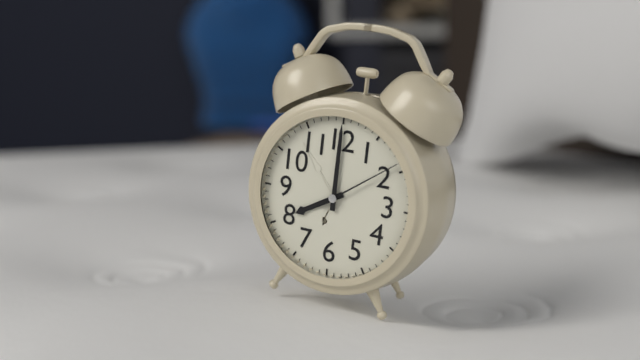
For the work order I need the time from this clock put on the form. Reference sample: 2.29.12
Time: 8.00.09
